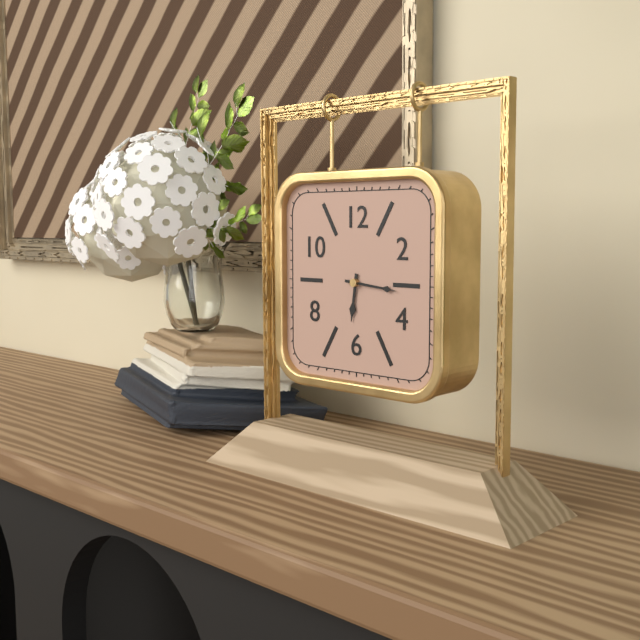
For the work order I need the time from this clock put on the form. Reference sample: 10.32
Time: 6.16
